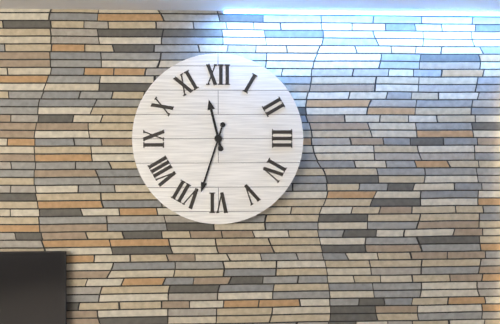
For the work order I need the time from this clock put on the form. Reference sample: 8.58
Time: 11.33
